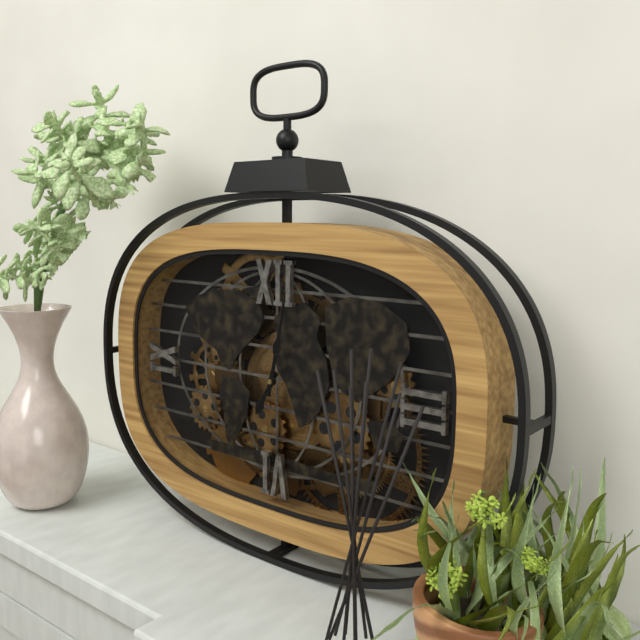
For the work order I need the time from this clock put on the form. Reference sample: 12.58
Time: 7.02
